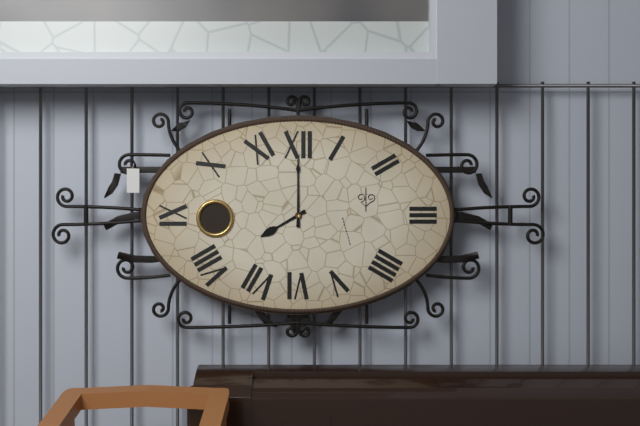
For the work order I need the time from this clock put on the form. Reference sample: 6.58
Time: 8.00
